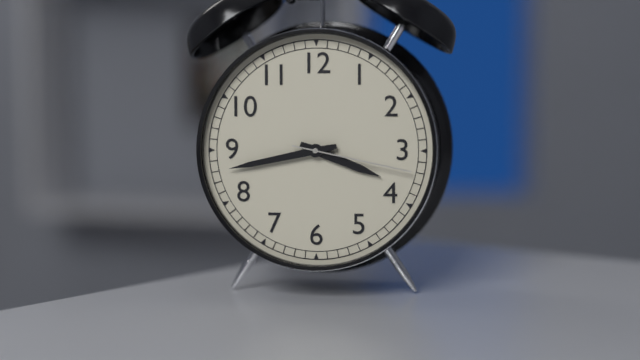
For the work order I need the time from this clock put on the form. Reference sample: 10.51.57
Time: 3.43.17
